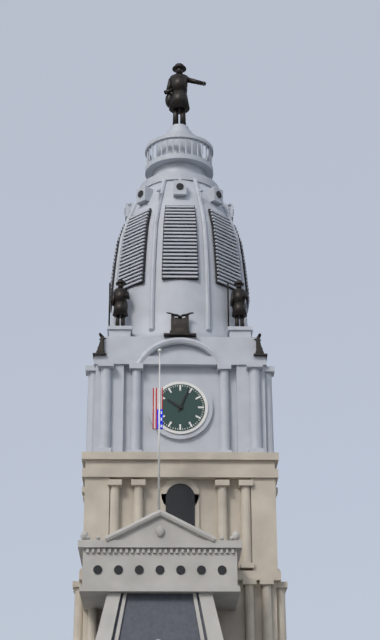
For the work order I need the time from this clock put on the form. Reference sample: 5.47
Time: 10.04
